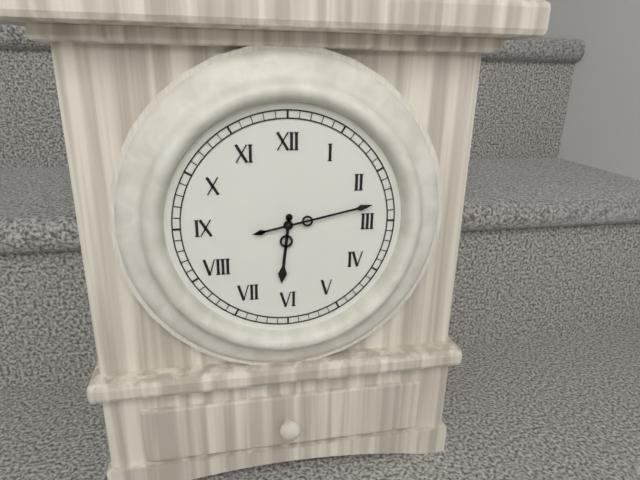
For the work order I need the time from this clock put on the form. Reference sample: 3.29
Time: 6.13
